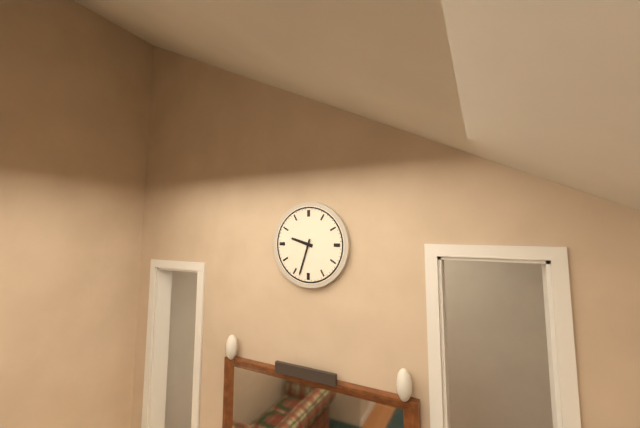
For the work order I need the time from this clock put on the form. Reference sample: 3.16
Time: 9.33
